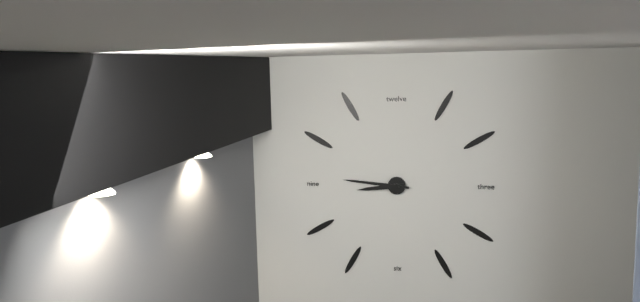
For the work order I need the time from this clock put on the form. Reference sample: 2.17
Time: 8.46
